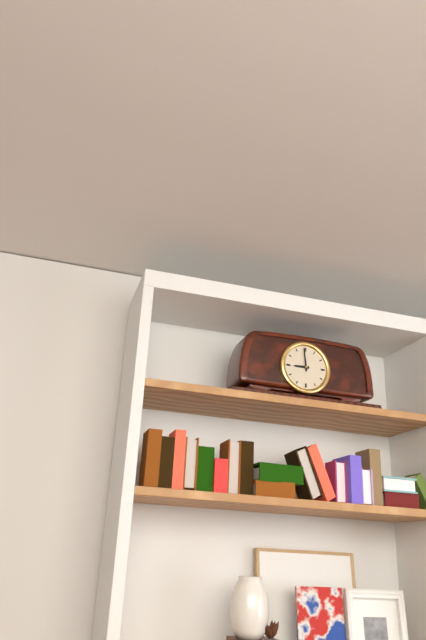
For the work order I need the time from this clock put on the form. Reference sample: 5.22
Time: 8.59
